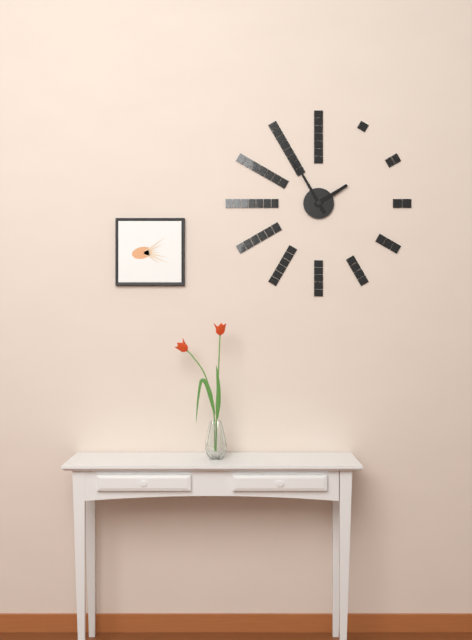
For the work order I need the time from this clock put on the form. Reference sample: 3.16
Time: 1.55
